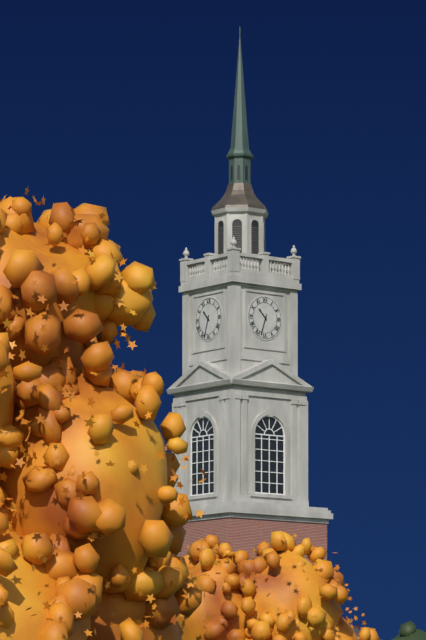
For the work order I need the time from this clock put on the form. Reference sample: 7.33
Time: 10.33
